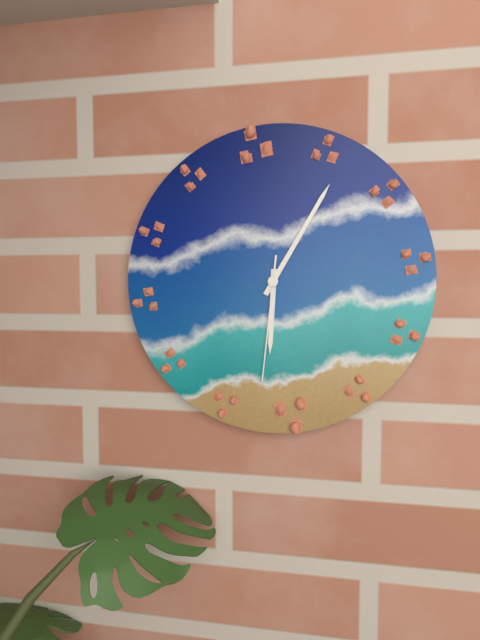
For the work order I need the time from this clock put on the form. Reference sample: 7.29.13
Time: 6.05.31
